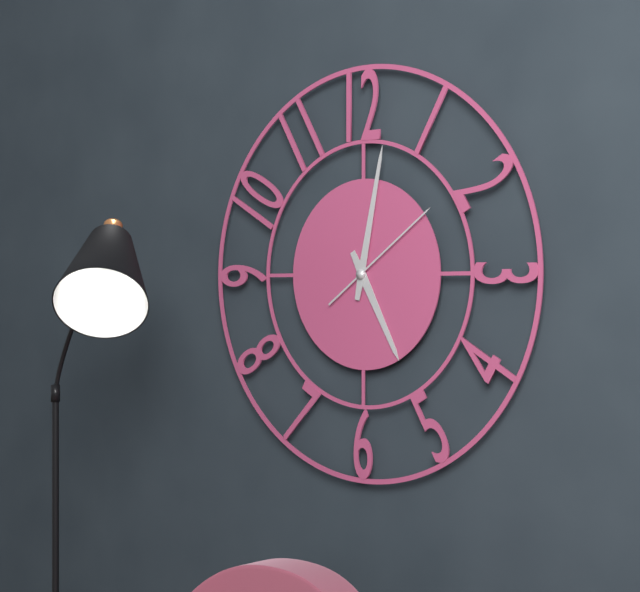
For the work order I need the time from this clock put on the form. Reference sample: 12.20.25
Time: 5.02.09
